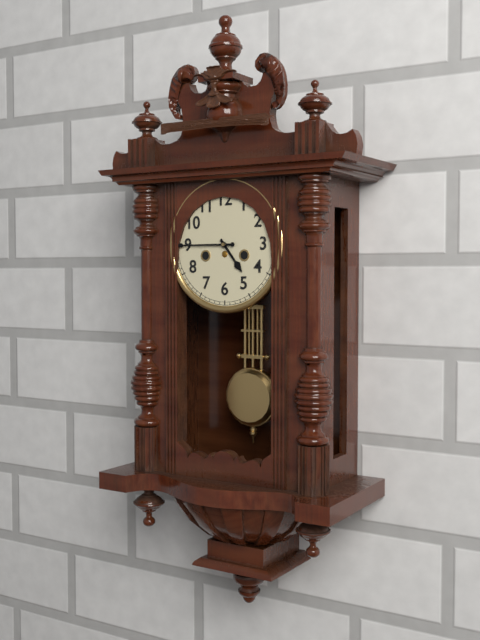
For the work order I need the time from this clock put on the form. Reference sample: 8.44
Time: 4.45
